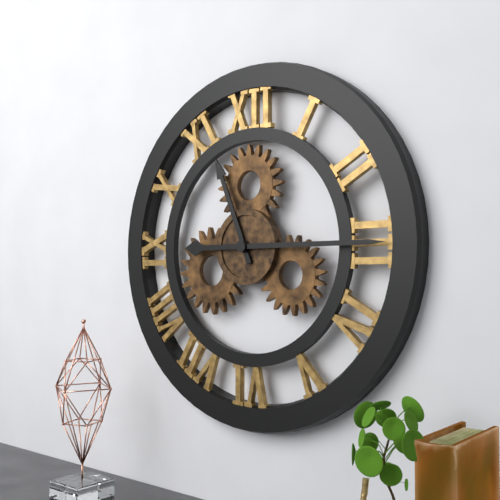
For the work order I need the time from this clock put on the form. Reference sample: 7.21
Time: 11.15
